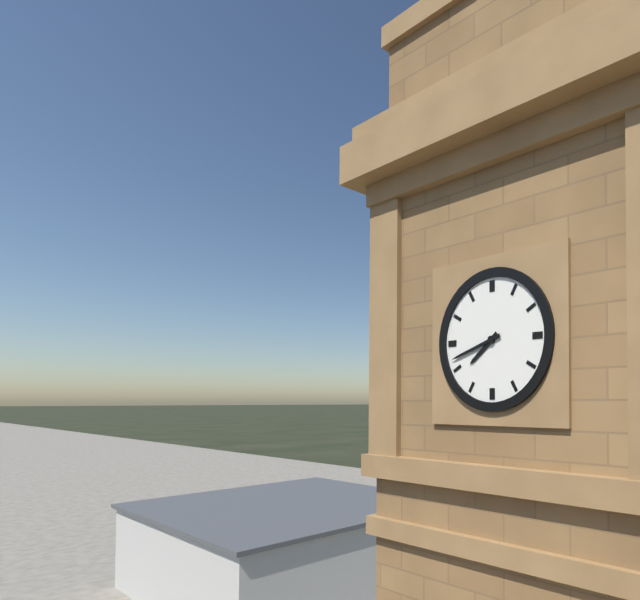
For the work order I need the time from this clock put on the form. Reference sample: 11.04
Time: 7.42
